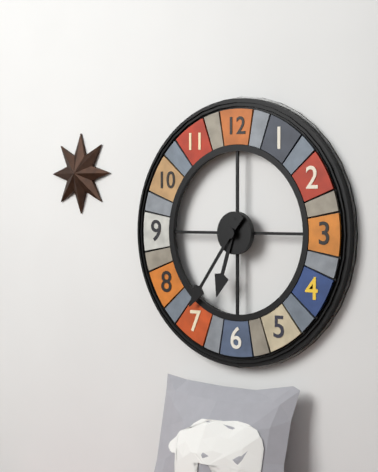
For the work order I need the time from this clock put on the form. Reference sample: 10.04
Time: 6.36
